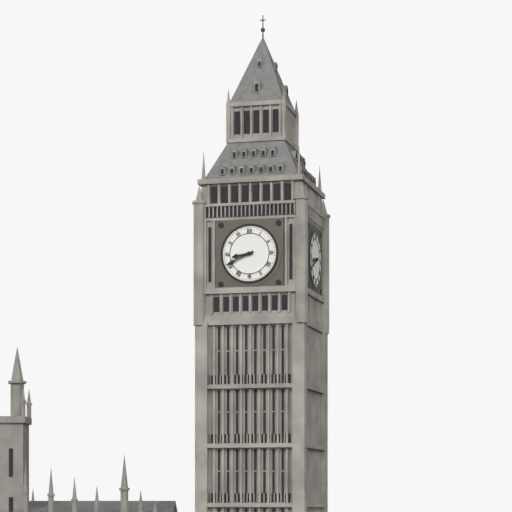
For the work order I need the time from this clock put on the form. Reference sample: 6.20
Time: 8.41
